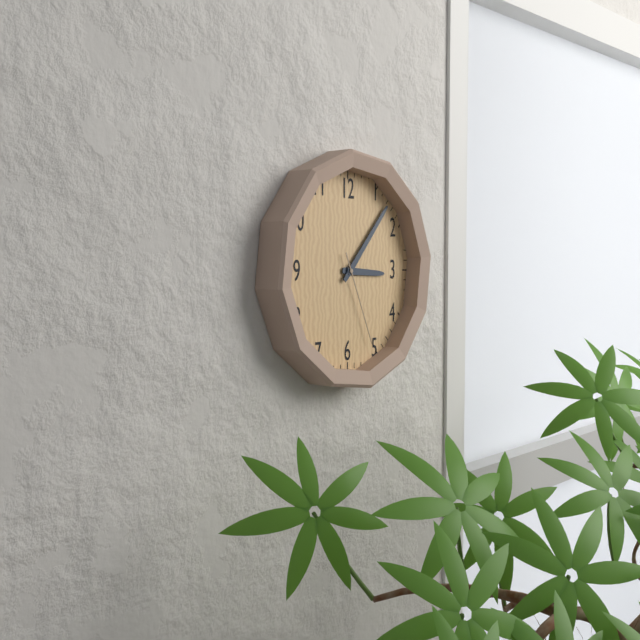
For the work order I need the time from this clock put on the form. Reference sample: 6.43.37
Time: 3.07.26
